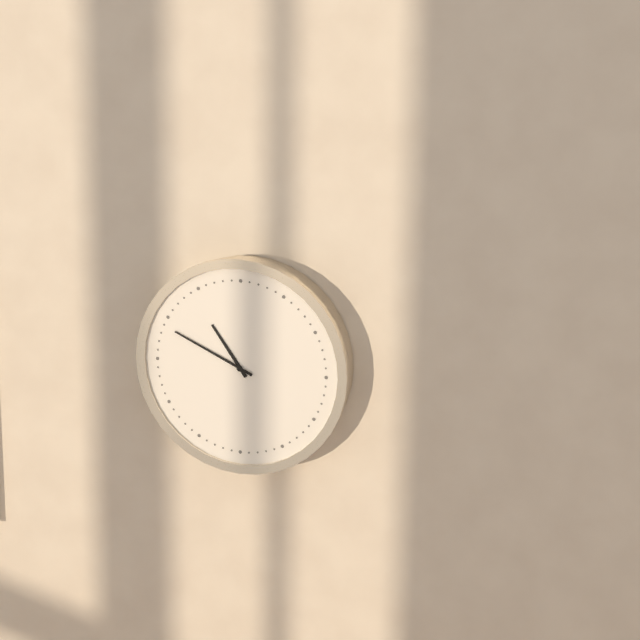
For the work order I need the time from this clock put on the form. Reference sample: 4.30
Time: 10.49
